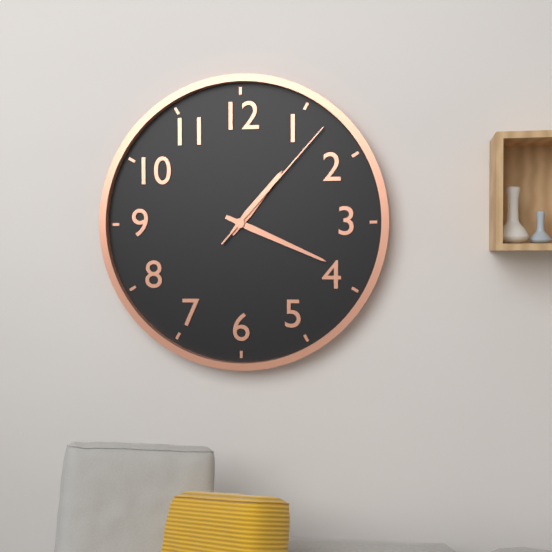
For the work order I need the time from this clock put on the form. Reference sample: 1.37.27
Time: 1.19.07
